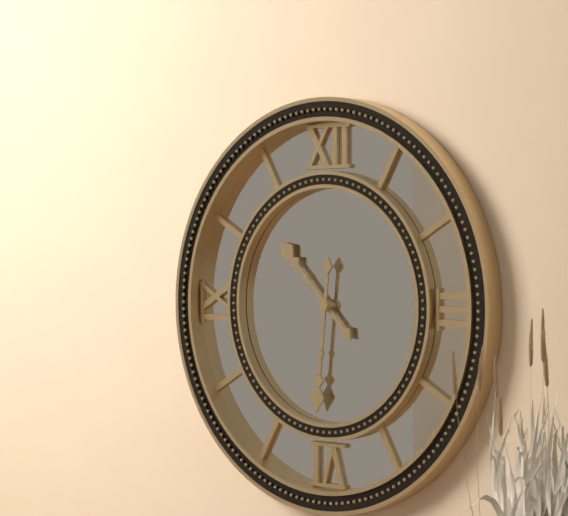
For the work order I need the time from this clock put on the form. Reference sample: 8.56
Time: 10.31
